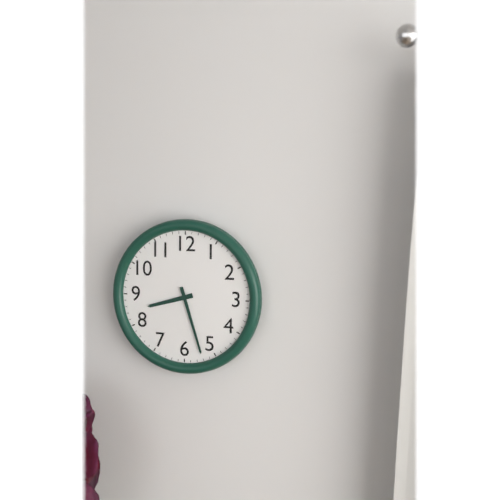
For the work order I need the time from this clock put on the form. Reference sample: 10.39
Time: 8.27
